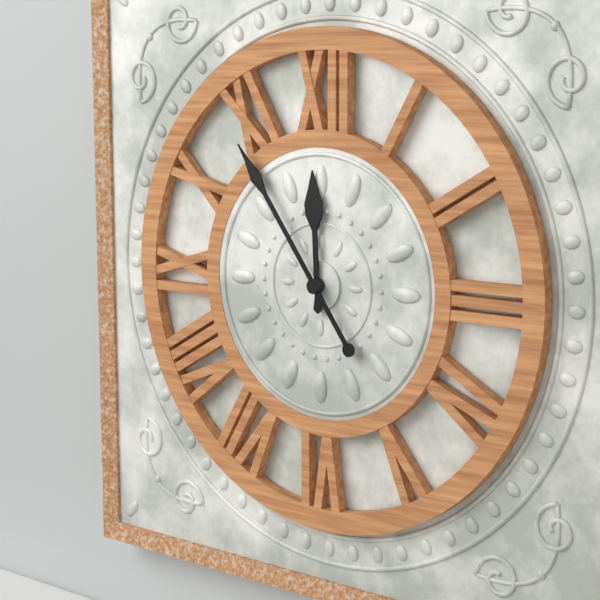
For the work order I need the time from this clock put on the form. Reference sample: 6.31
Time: 11.54
